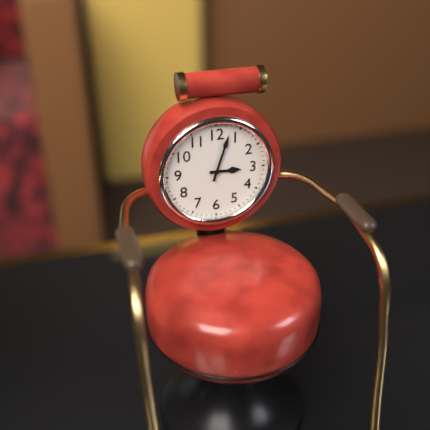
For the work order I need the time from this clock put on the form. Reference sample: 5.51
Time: 3.03
